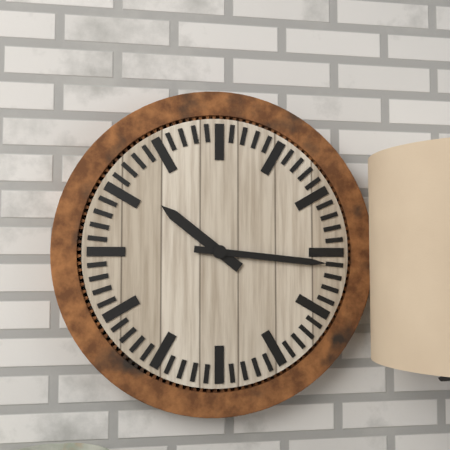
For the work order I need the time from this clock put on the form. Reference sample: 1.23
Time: 10.16
